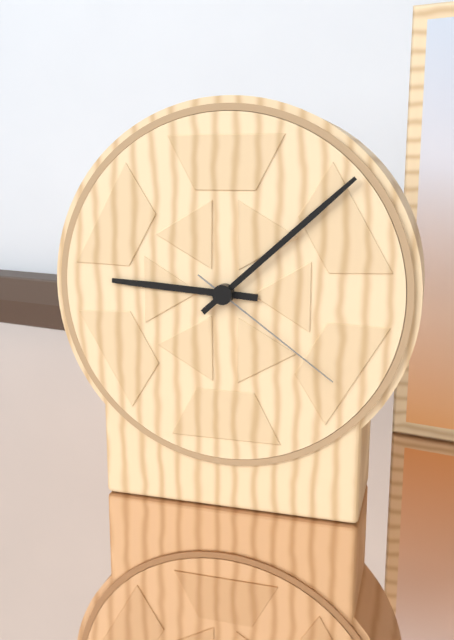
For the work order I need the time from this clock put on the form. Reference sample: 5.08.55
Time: 9.08.21
